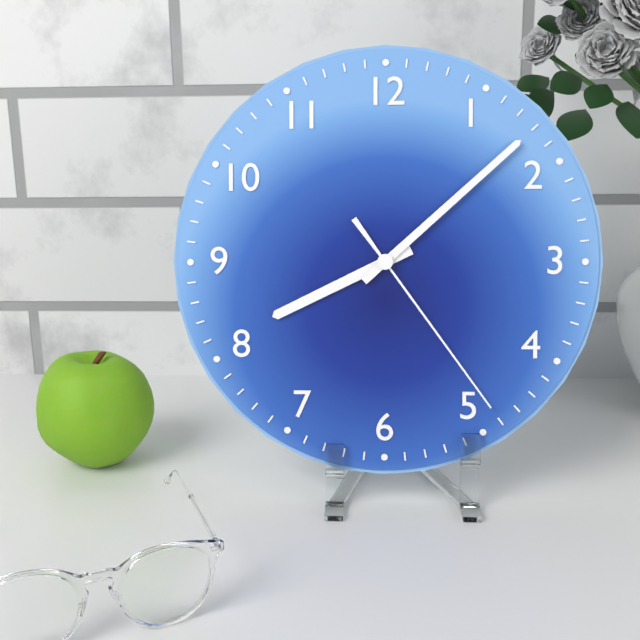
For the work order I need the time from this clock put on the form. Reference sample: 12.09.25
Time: 8.08.24
